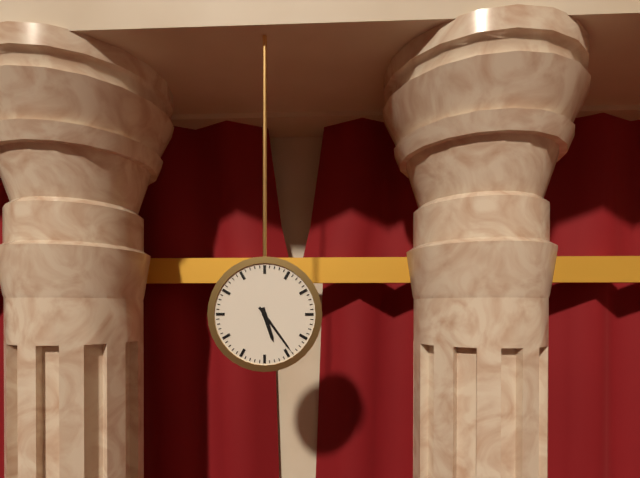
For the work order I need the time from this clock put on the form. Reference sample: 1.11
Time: 5.24
